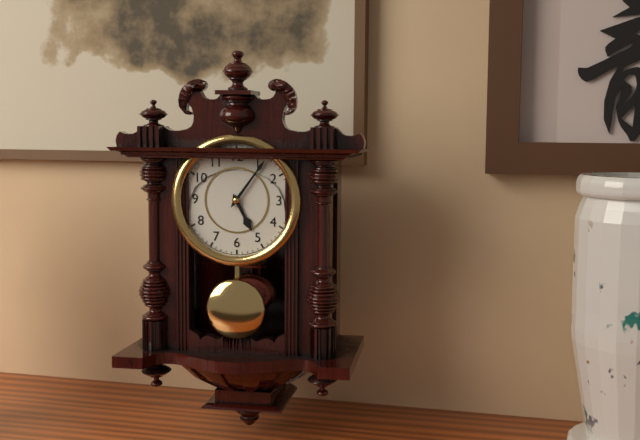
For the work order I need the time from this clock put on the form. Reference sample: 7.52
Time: 5.06
